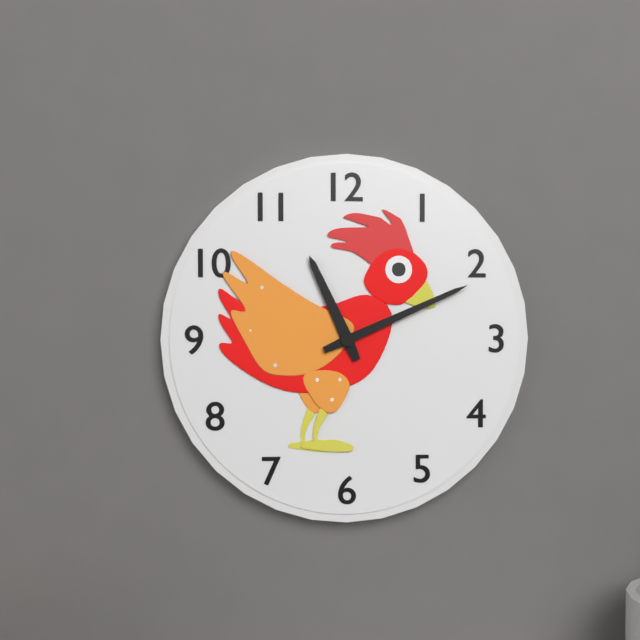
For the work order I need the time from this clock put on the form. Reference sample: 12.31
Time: 11.11
